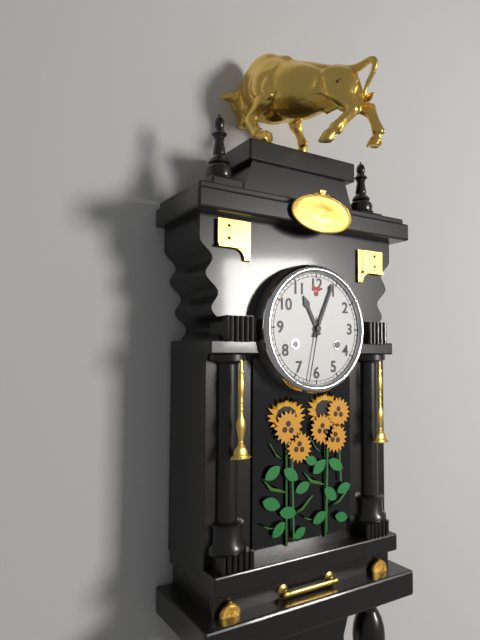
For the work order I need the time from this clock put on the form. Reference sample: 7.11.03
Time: 11.04.32
